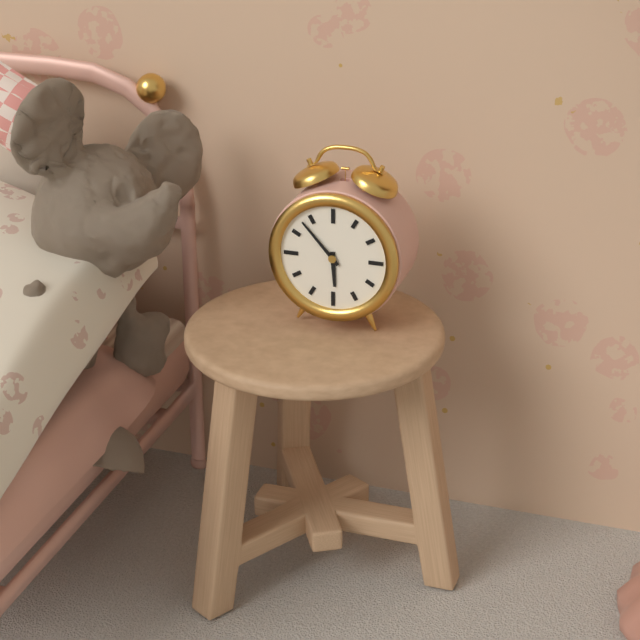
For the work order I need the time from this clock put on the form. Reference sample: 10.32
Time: 5.53
